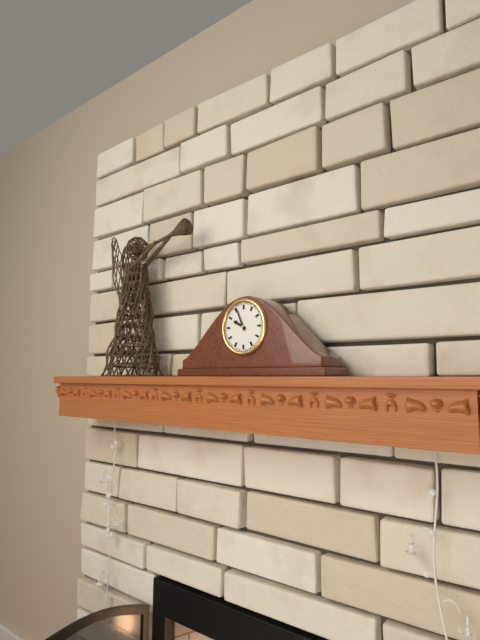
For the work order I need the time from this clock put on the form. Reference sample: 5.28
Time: 9.56
